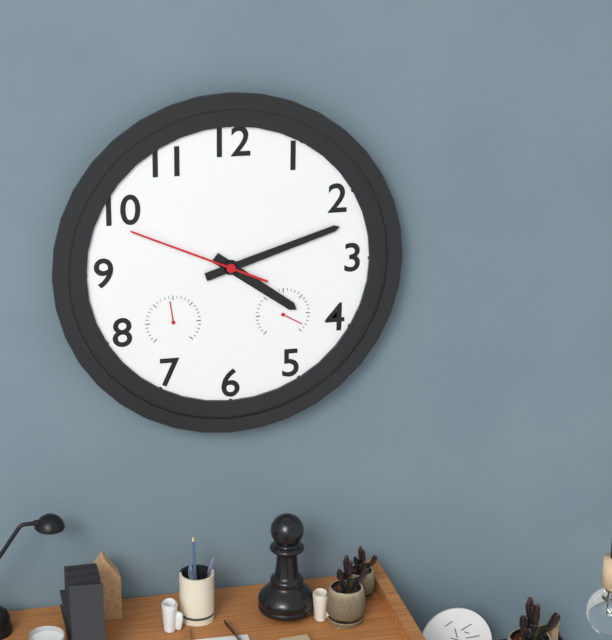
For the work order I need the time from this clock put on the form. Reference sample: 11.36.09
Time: 4.12.49
